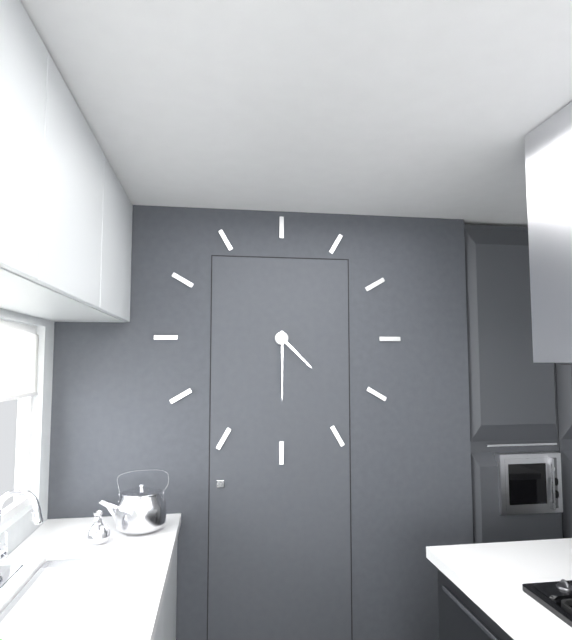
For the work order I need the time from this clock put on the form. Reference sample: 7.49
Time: 4.30
